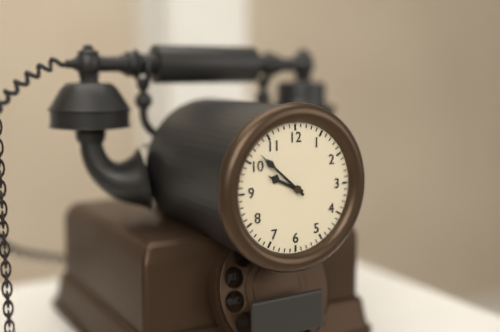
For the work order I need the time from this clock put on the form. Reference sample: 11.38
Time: 9.52
